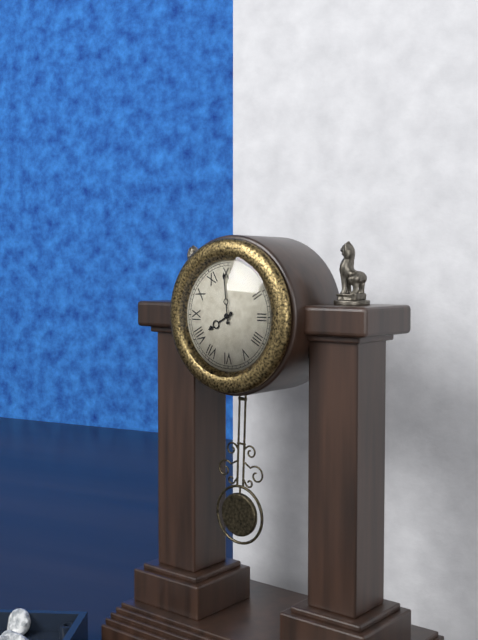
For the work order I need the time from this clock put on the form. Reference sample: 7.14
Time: 7.59
